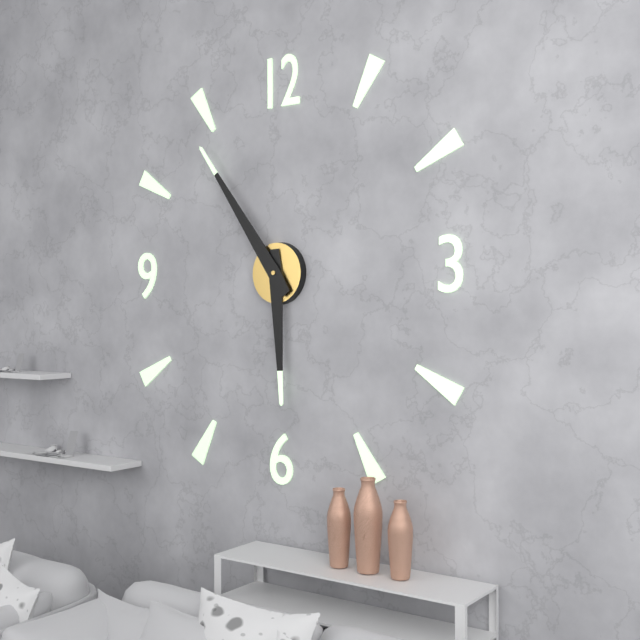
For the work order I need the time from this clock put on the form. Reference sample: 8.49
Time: 5.54
